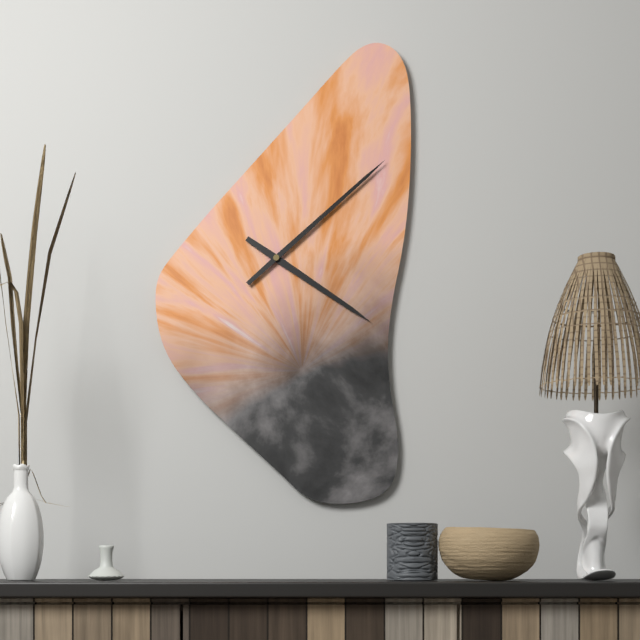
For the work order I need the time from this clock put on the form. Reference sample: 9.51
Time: 4.08
